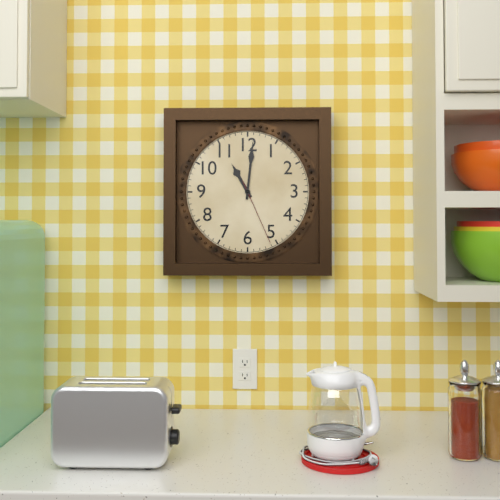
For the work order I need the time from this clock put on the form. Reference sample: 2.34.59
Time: 11.01.26
